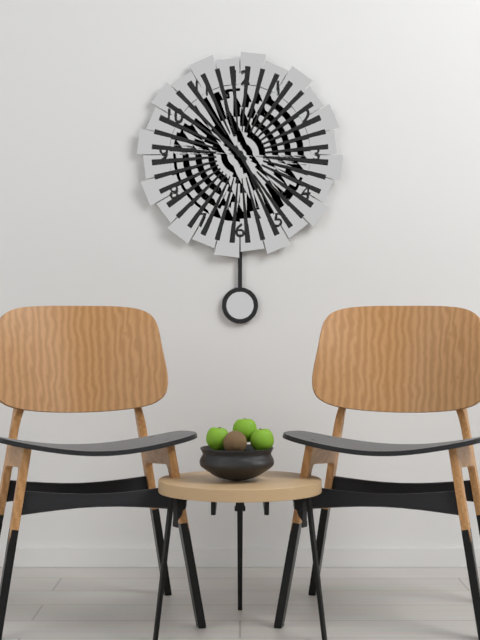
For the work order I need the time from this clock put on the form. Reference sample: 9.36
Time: 10.25
